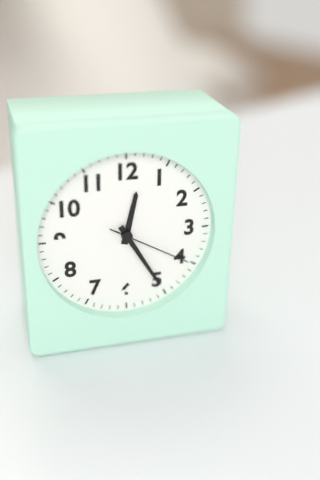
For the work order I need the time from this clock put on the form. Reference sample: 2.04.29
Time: 12.25.20
